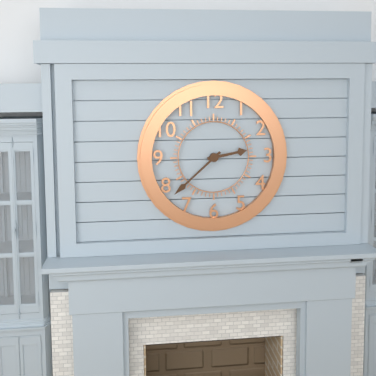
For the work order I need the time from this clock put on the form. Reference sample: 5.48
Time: 2.38
